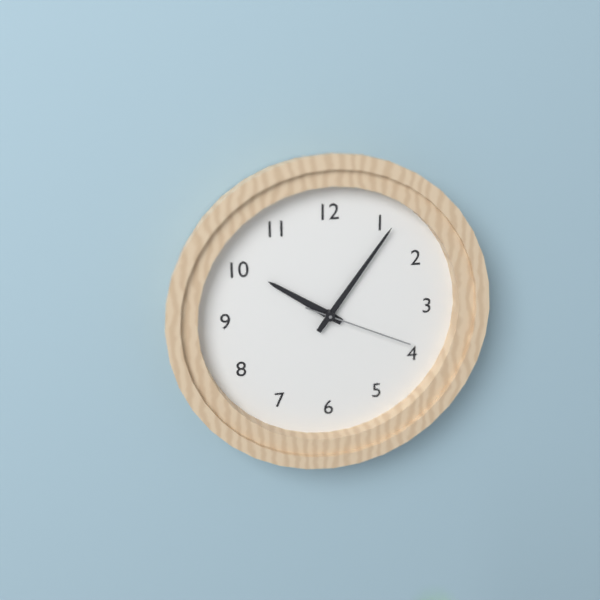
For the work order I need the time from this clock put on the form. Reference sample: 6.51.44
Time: 10.06.19
